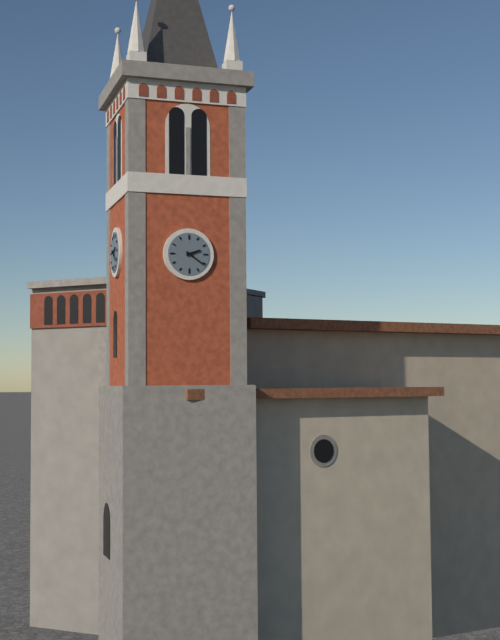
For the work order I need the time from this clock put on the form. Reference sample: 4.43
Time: 2.21
